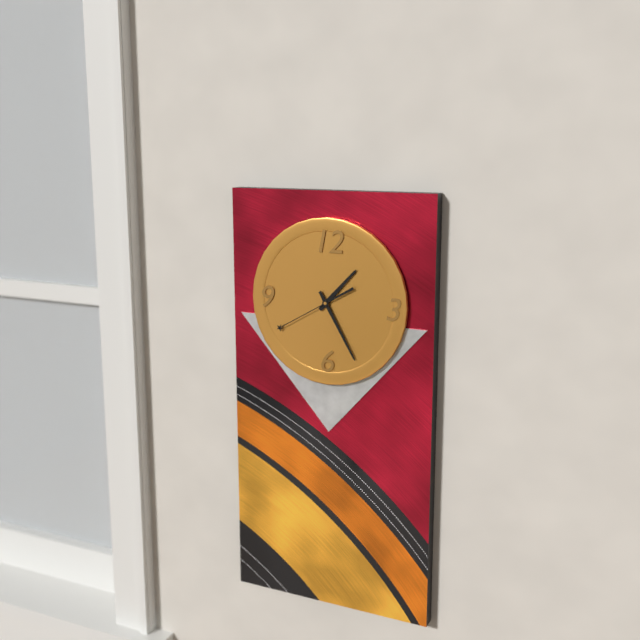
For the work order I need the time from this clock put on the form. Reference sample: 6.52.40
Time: 1.25.40
